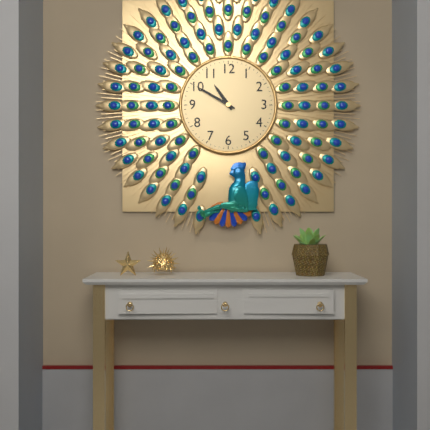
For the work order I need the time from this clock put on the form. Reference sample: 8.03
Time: 10.50
